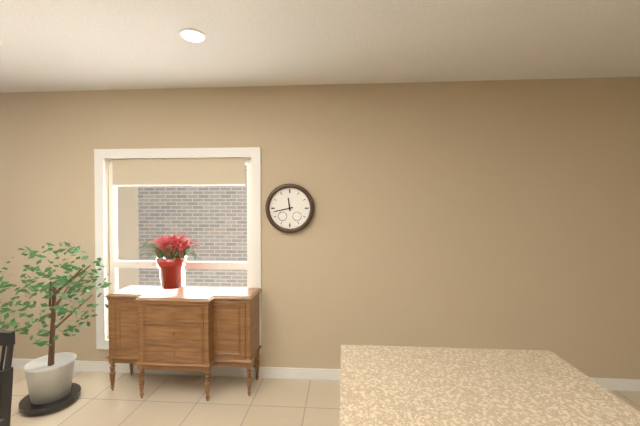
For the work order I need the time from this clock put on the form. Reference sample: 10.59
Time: 11.43
